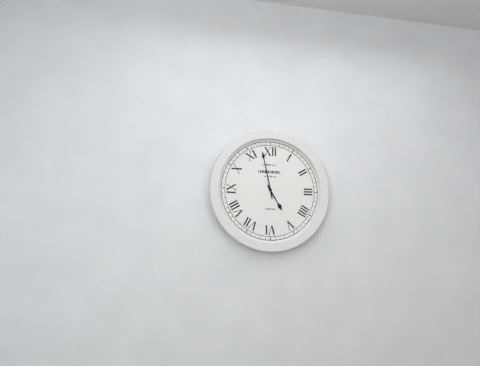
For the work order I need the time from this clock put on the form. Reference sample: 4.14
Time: 4.58
